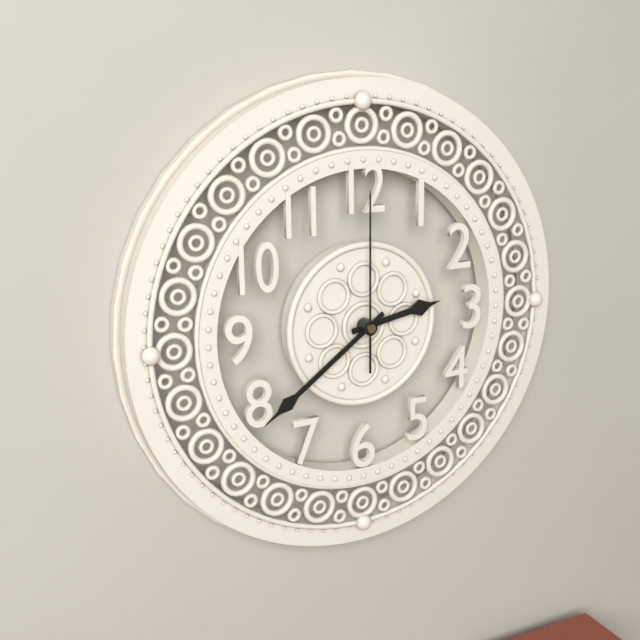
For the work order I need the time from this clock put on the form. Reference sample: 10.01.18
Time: 2.39.00
